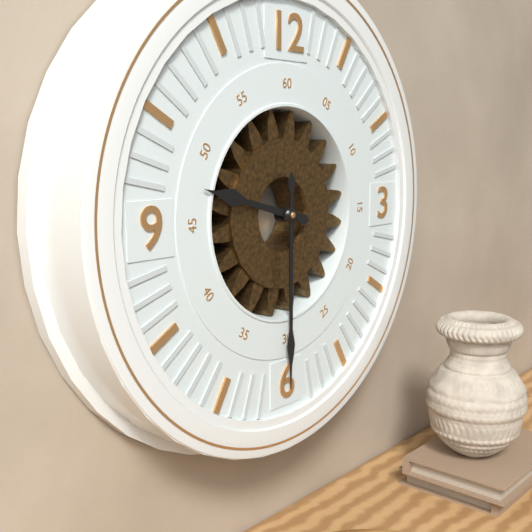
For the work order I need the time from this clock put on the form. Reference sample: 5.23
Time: 9.30
